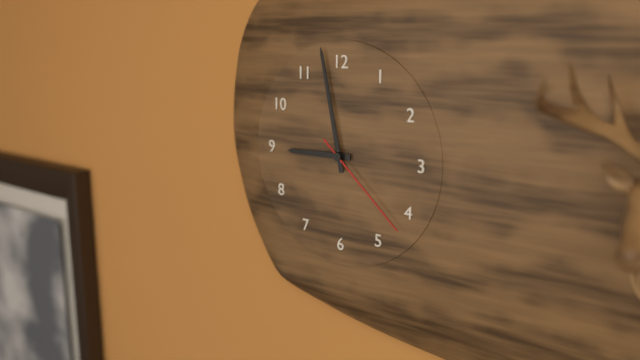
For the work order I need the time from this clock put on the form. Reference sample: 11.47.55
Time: 8.58.22
